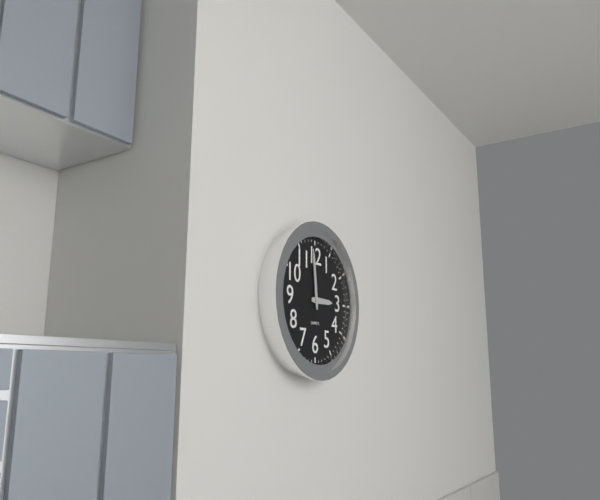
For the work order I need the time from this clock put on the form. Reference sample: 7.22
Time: 2.59
